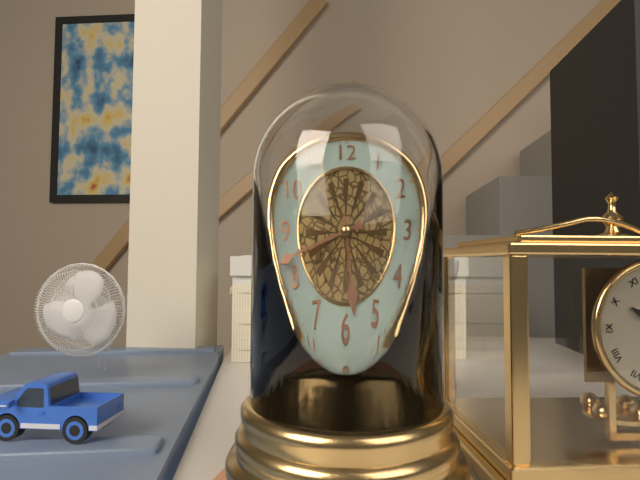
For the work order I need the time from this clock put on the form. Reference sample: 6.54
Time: 5.42
